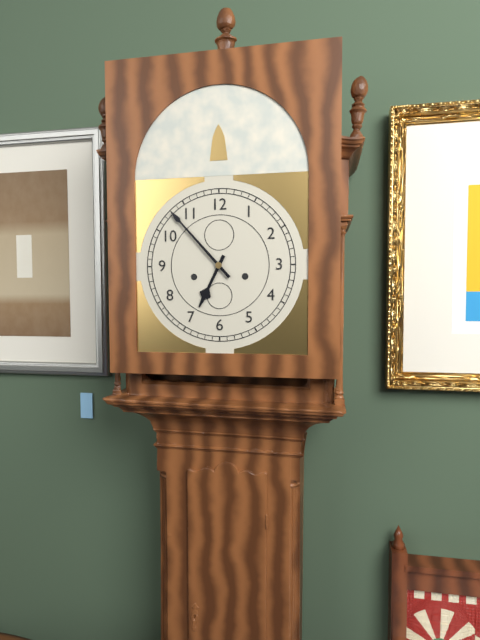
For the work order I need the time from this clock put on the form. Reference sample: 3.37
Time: 6.53
